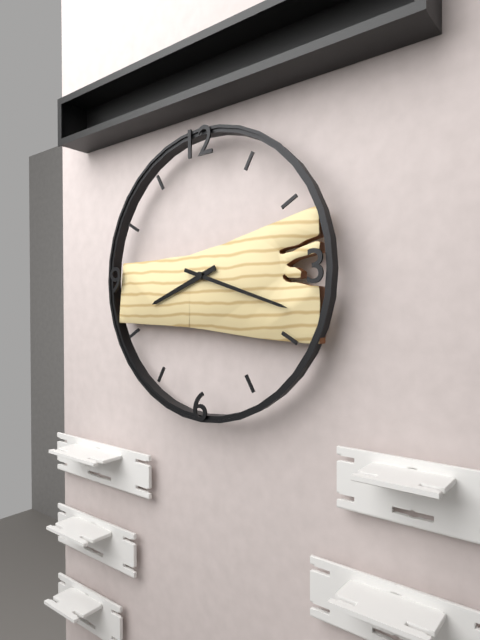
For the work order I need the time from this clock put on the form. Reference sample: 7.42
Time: 8.18
